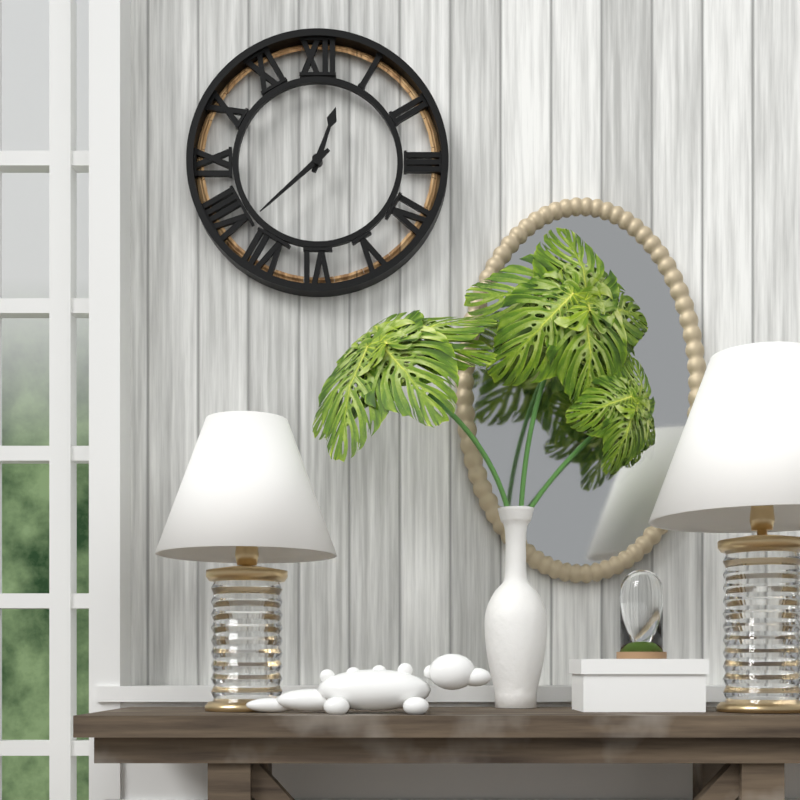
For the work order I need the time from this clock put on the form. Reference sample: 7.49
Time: 12.38
